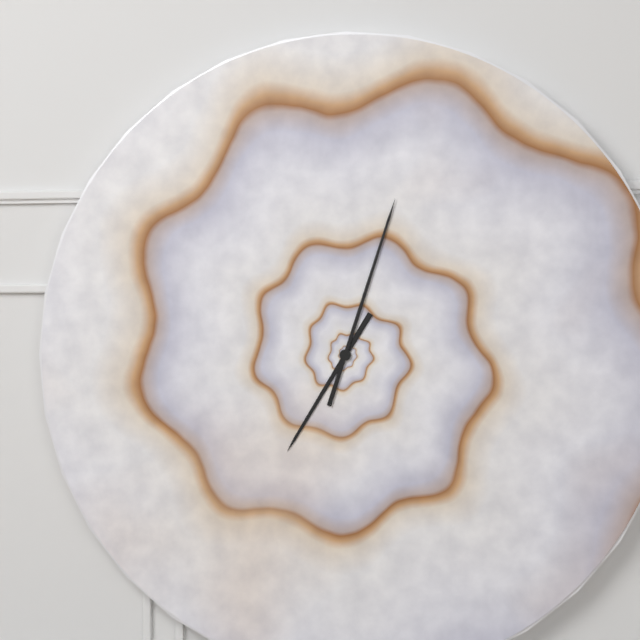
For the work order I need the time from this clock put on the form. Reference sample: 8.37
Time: 7.03
